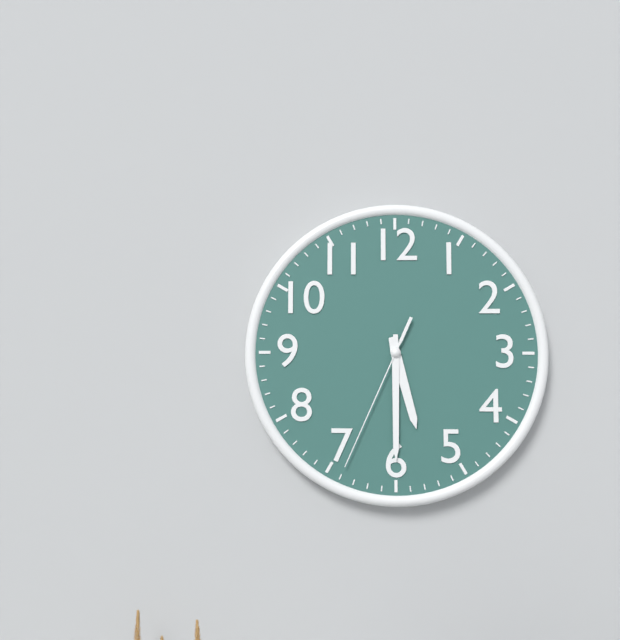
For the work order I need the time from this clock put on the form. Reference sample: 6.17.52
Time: 5.30.34
